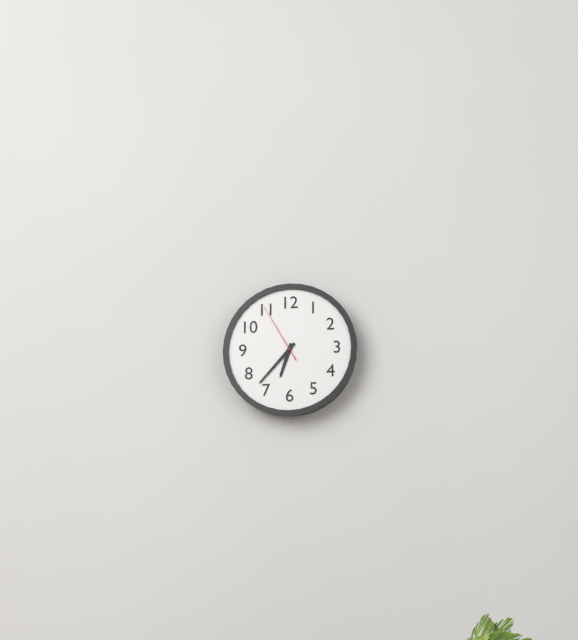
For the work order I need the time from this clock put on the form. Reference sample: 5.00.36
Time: 6.37.55
